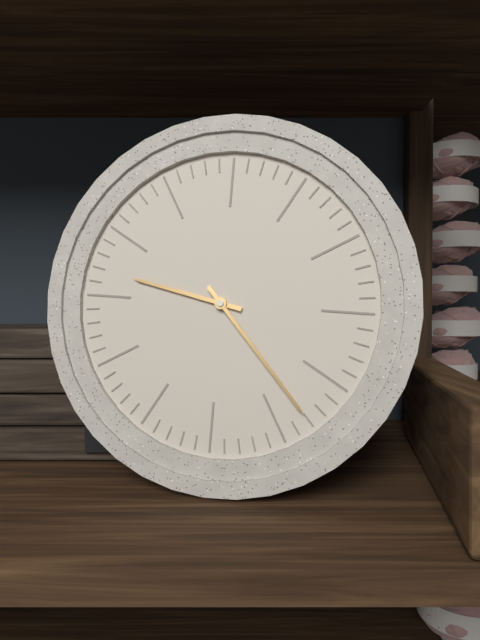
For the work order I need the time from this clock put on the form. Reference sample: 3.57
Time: 9.23
